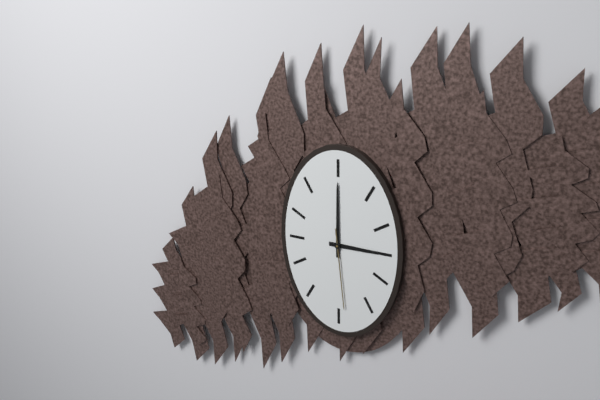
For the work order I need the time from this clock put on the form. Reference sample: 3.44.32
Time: 3.00.29
